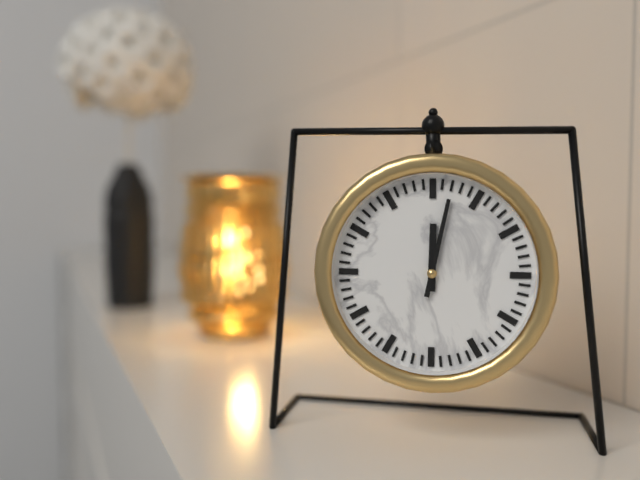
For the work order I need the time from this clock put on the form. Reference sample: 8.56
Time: 12.02
